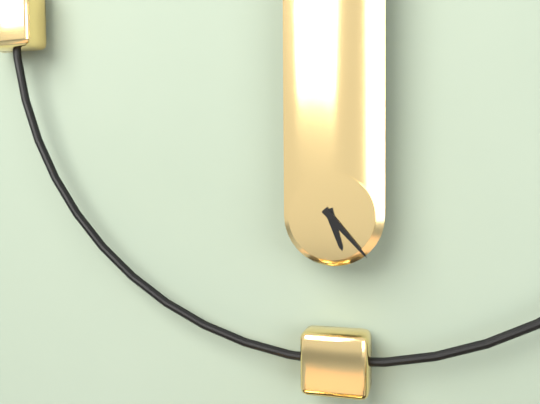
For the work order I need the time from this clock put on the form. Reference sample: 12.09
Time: 5.23
